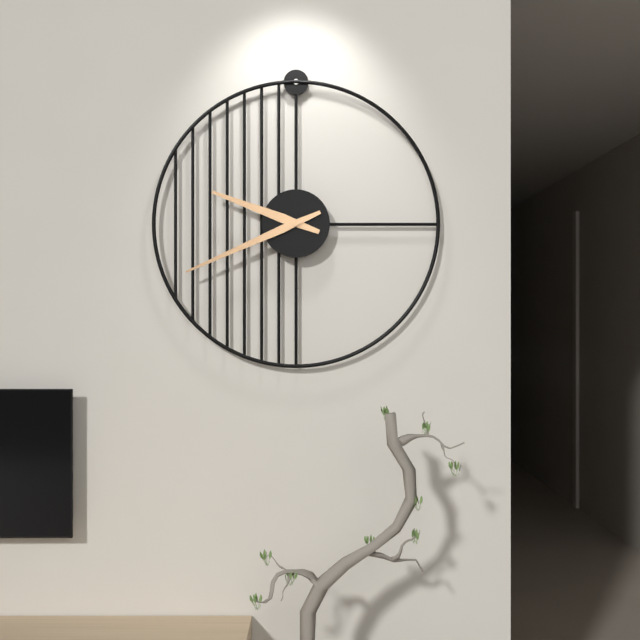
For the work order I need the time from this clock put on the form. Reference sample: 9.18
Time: 9.41
